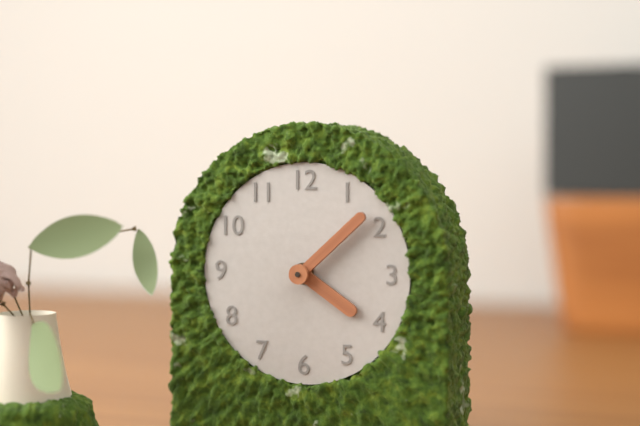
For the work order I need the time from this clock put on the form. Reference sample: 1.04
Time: 4.08
